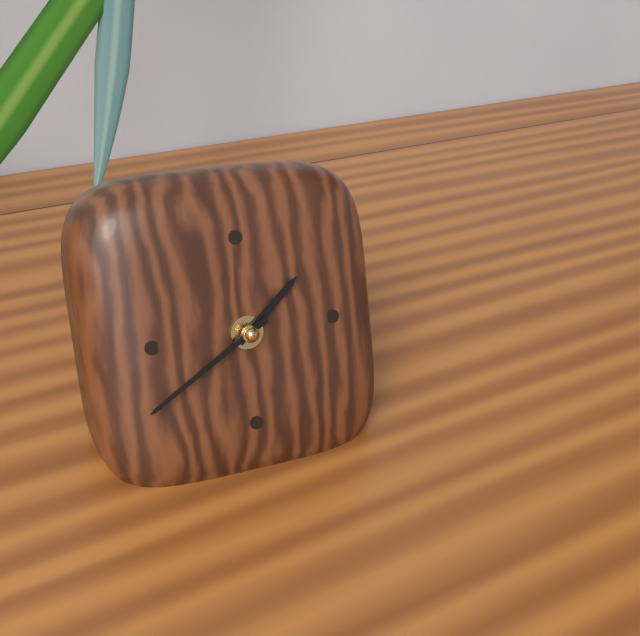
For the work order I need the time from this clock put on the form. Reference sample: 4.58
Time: 1.40
